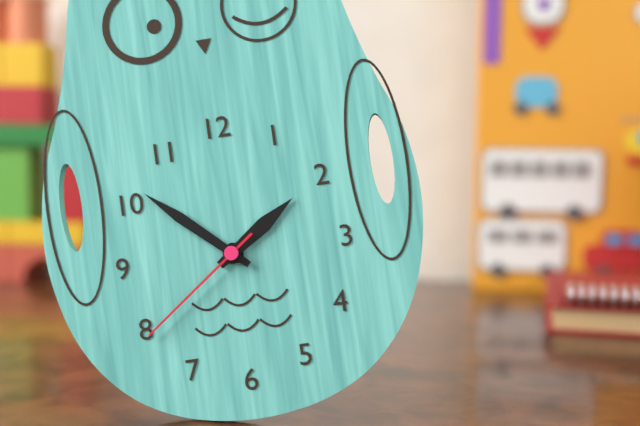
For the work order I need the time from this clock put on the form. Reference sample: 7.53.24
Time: 1.52.39
